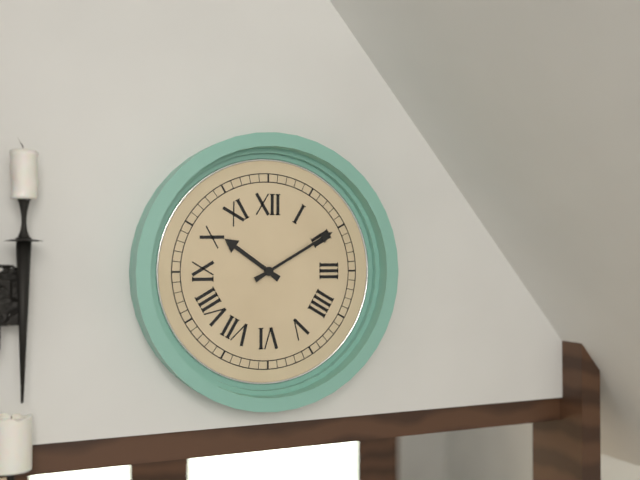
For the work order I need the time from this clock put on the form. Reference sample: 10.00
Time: 10.10
